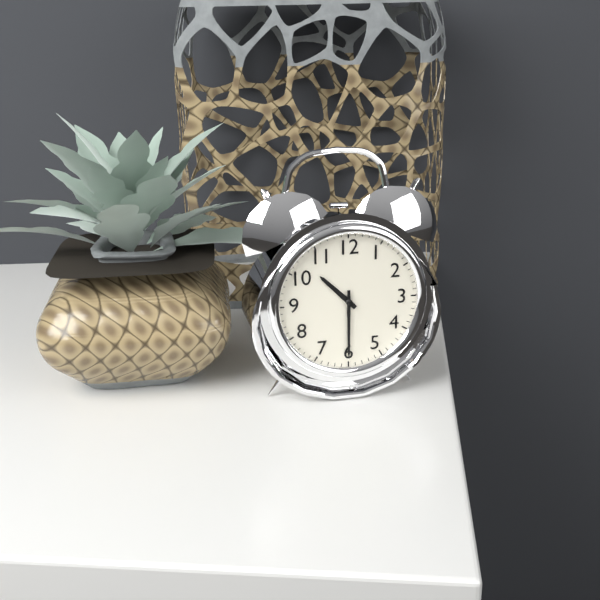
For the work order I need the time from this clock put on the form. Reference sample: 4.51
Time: 10.30
